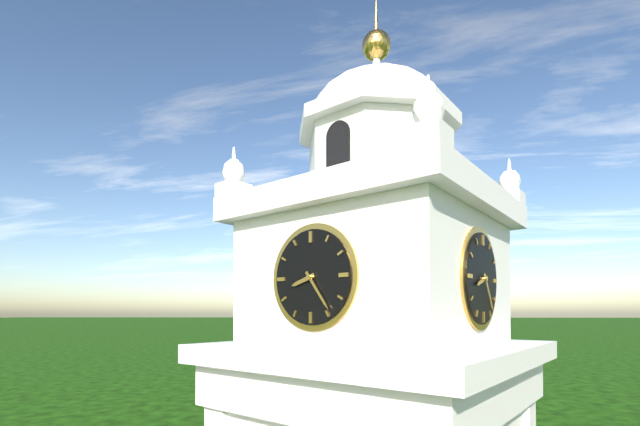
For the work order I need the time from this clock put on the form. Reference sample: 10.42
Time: 8.24
